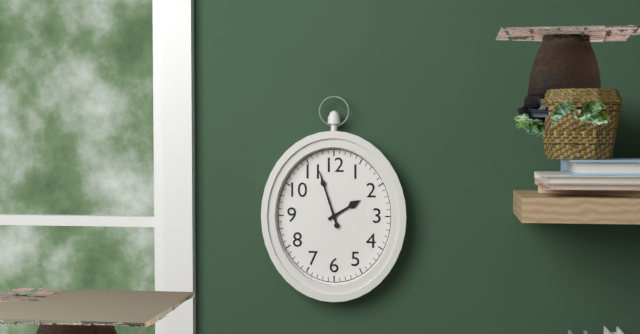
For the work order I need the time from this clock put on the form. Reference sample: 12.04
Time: 1.57
